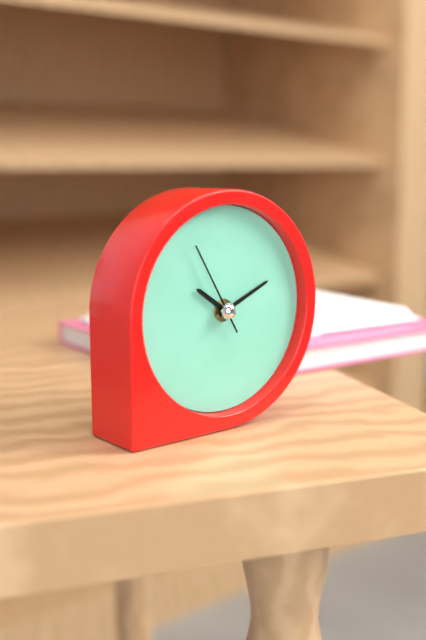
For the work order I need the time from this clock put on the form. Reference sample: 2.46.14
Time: 10.11.55
